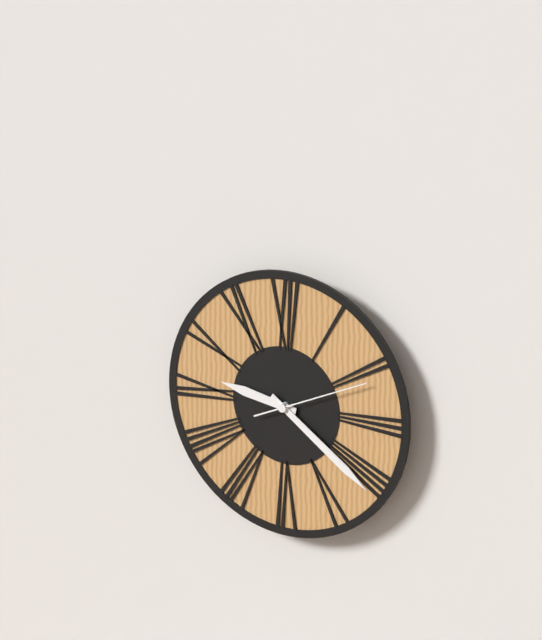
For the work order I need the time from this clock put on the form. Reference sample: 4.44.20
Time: 9.21.11
